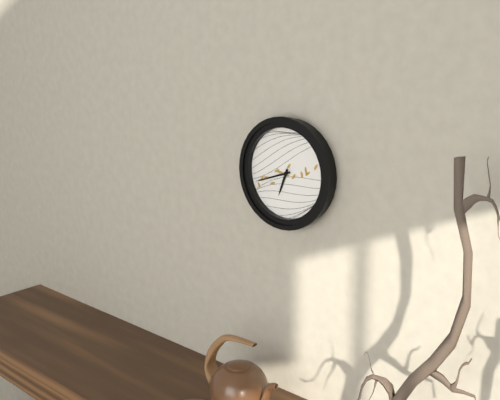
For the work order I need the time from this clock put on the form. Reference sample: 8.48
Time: 6.42
